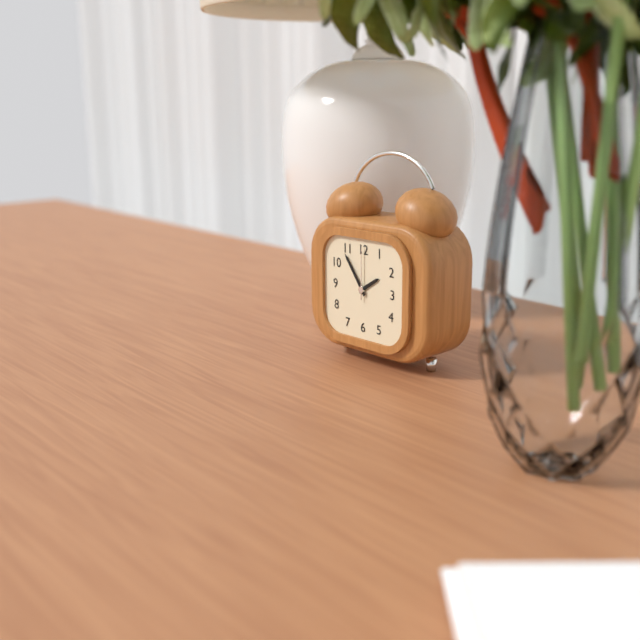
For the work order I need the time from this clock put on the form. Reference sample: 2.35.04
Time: 1.54.00
